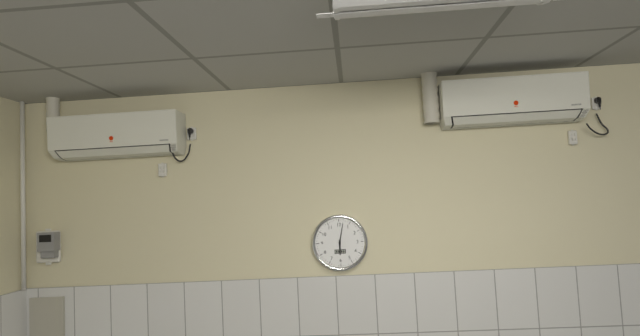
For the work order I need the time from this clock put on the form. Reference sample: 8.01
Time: 6.02
